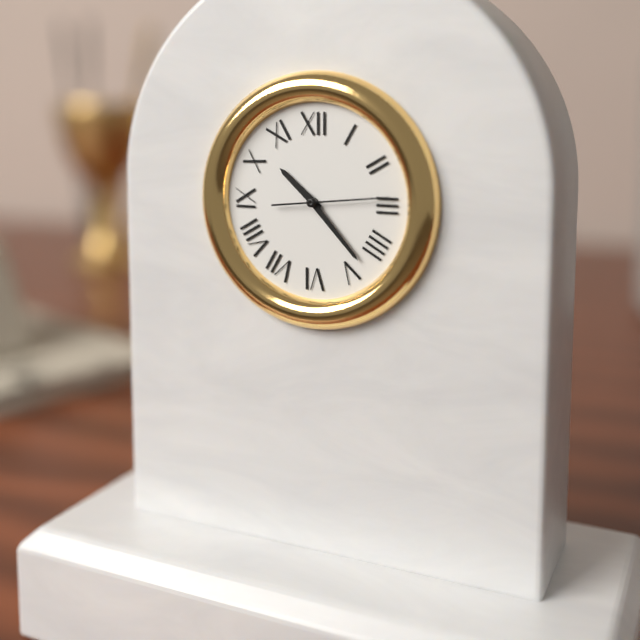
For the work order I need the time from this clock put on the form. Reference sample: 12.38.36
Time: 10.23.14
